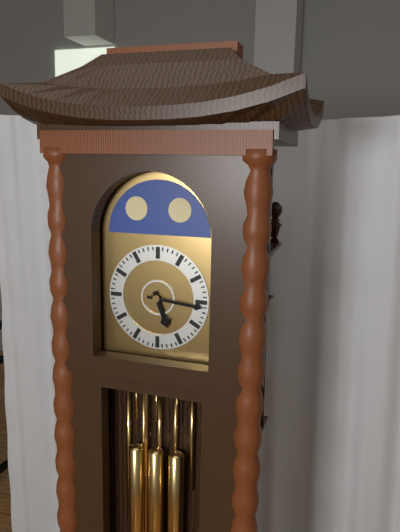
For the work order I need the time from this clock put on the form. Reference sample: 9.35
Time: 5.16
